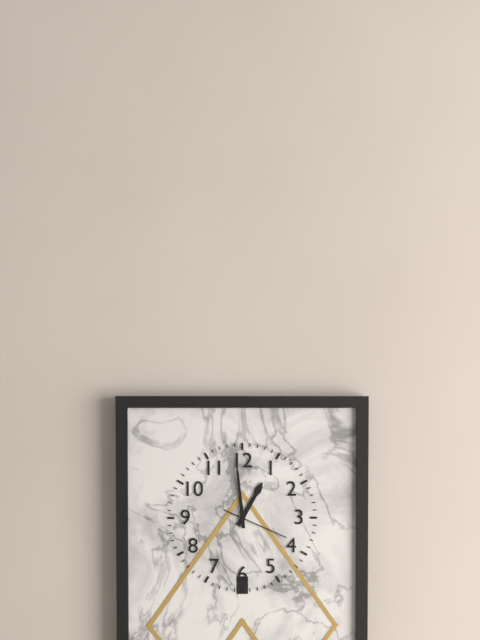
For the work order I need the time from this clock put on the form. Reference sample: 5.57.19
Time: 12.59.19
